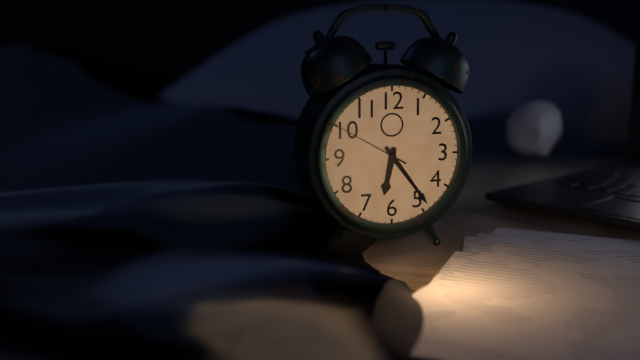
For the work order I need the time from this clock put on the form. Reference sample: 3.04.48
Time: 6.24.50
